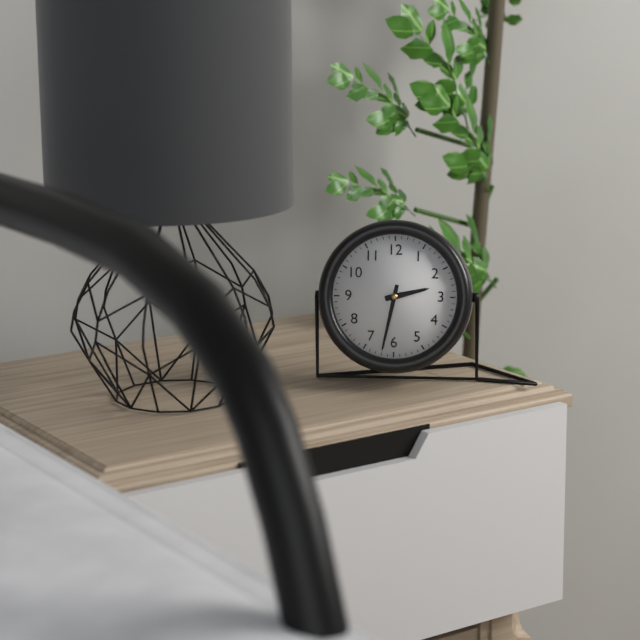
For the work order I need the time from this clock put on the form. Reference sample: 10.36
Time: 2.32
